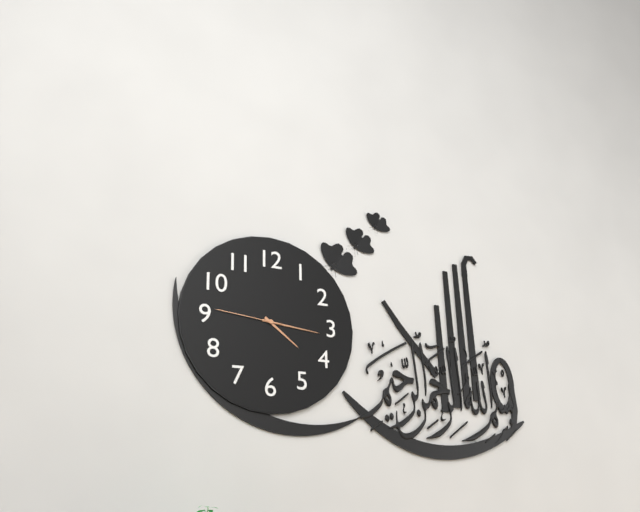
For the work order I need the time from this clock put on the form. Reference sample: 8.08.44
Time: 4.16.46
